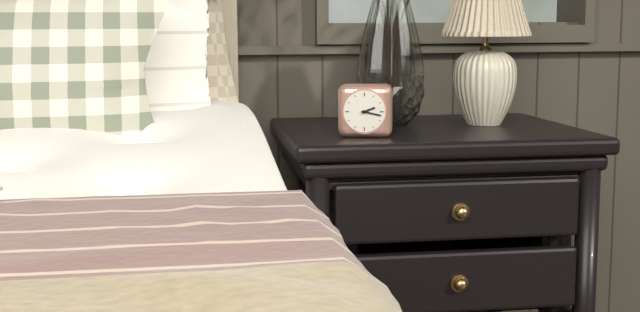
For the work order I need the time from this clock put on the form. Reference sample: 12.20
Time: 2.17
